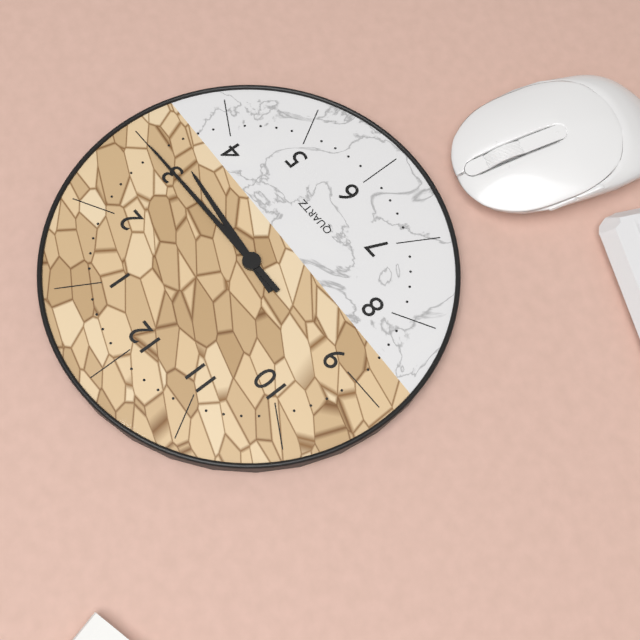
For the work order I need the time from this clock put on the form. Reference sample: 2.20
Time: 3.15
